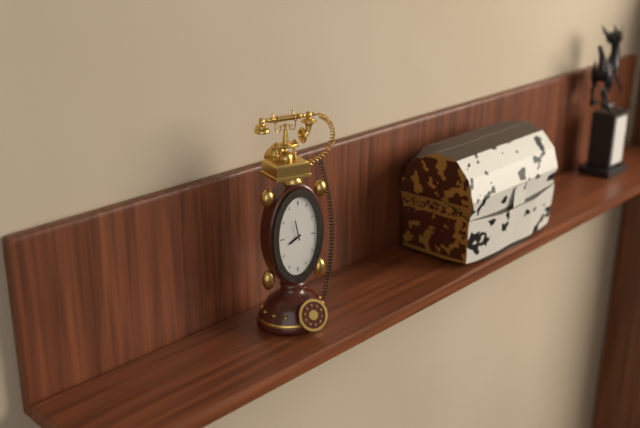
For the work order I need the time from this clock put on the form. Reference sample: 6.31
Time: 7.58
